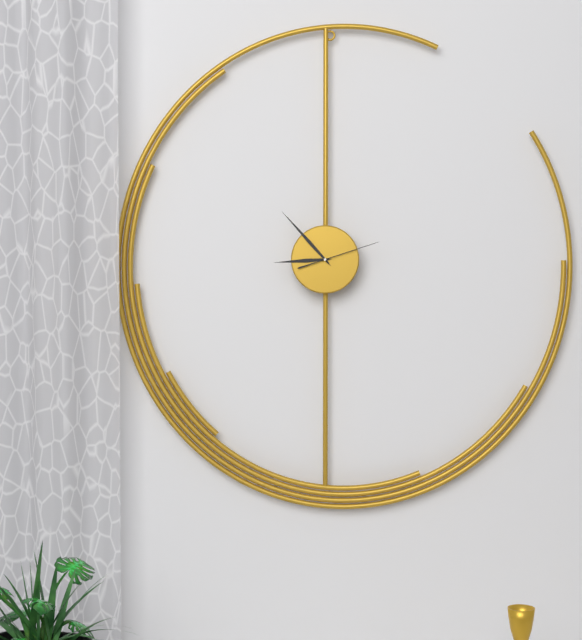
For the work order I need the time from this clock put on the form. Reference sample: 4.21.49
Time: 8.53.12
